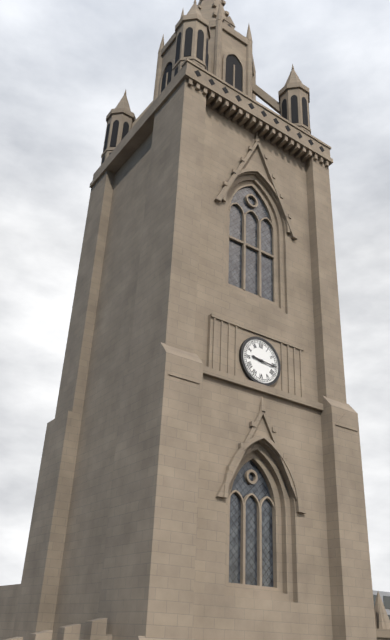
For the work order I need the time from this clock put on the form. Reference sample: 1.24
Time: 9.16
